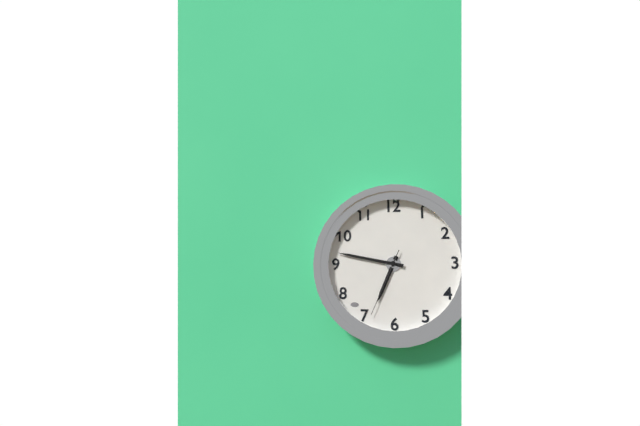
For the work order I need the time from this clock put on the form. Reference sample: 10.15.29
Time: 6.47.34
